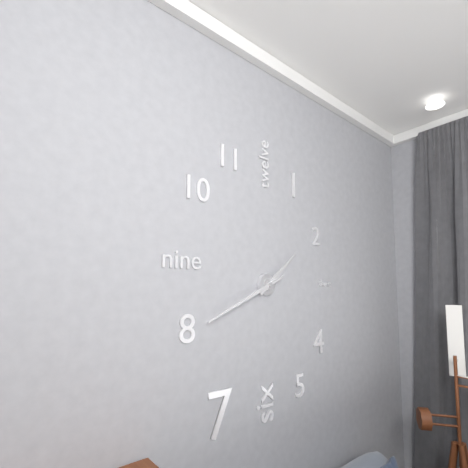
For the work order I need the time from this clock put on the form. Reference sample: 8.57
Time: 1.41
